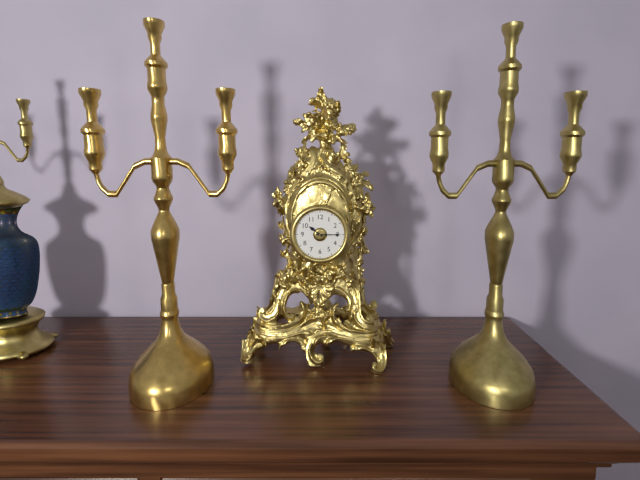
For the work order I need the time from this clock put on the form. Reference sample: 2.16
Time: 10.15
